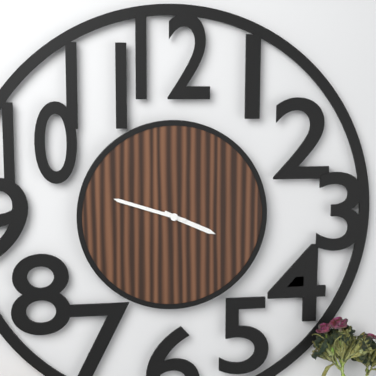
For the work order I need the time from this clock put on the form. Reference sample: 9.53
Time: 3.48
